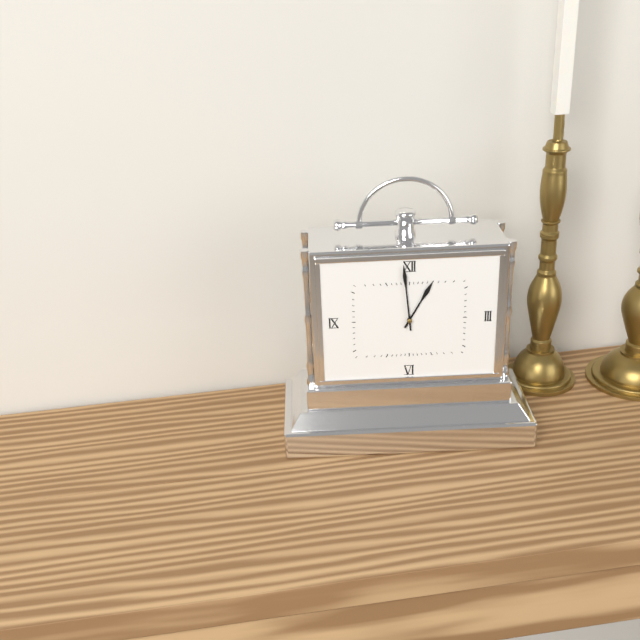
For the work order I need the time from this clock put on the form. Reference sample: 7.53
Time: 12.59
